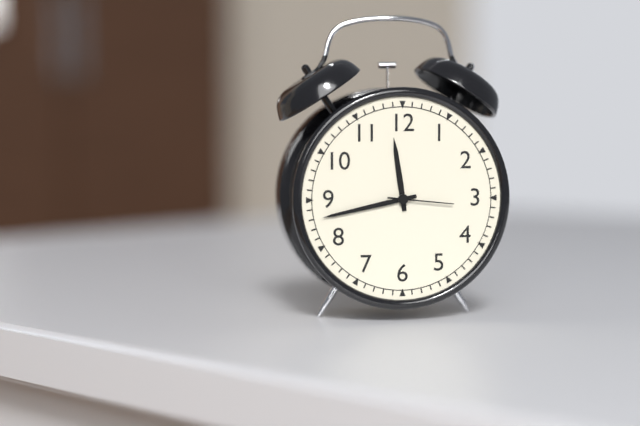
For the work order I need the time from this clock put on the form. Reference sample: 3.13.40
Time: 11.43.16
